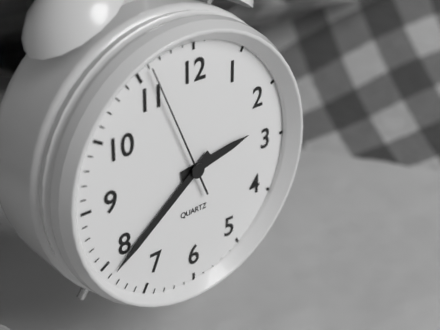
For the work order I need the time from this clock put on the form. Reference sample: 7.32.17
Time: 2.39.56
